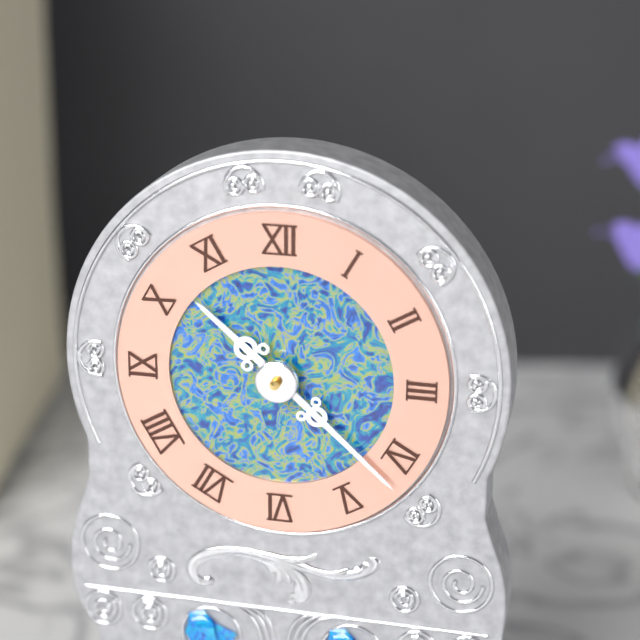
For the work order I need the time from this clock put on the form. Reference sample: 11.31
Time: 10.22
